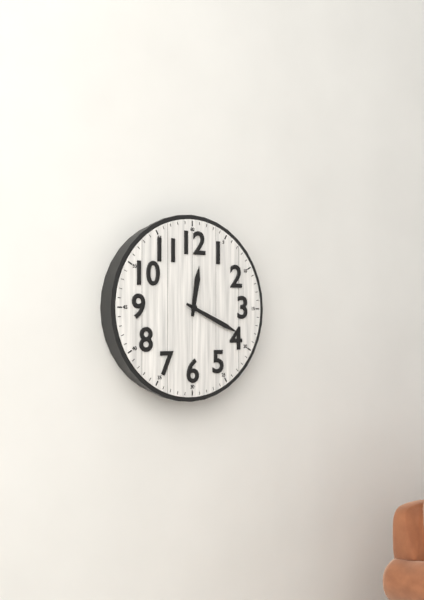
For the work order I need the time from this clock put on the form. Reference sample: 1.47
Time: 12.19
